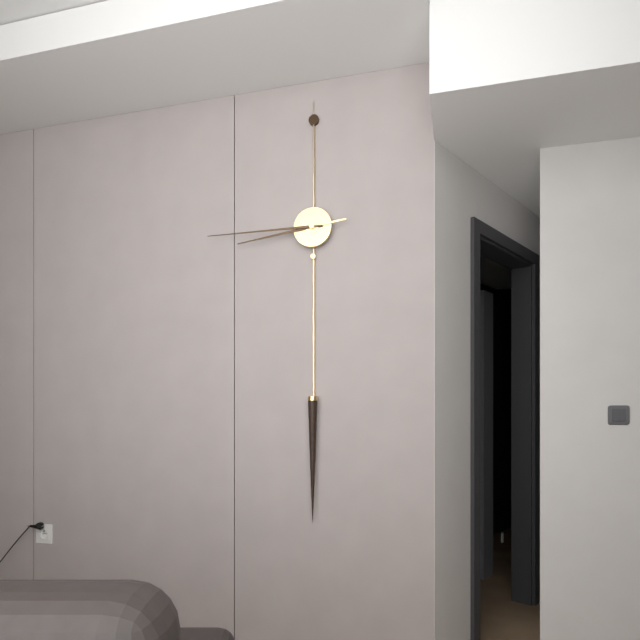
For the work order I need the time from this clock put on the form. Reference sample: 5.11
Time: 8.45
